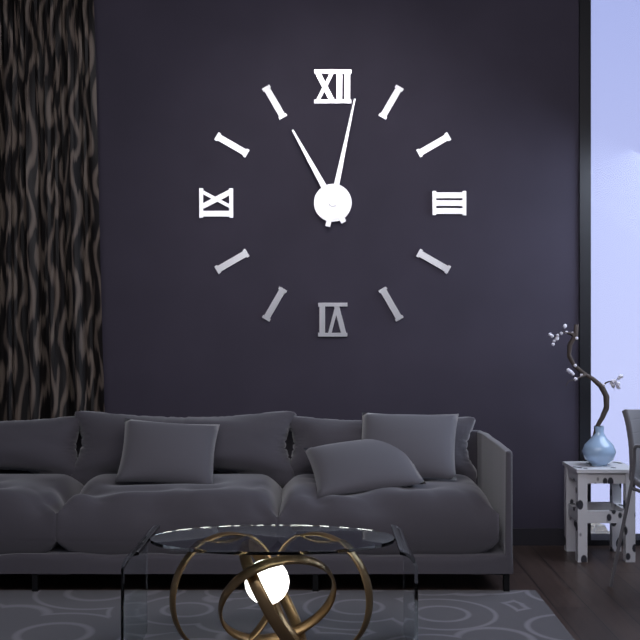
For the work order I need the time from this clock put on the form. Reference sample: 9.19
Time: 11.02
